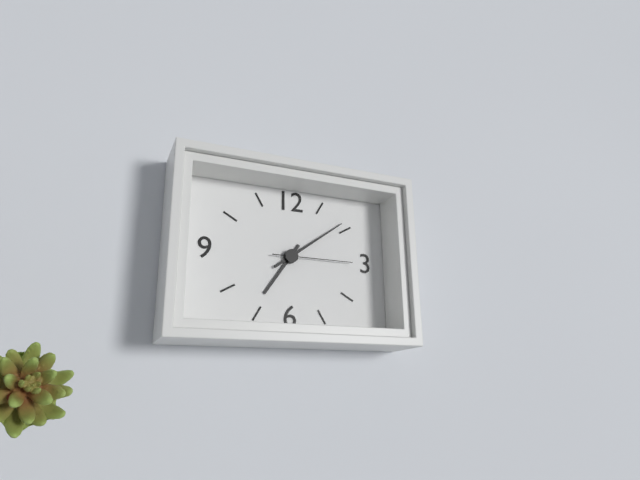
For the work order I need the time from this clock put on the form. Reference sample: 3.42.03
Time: 7.09.15
